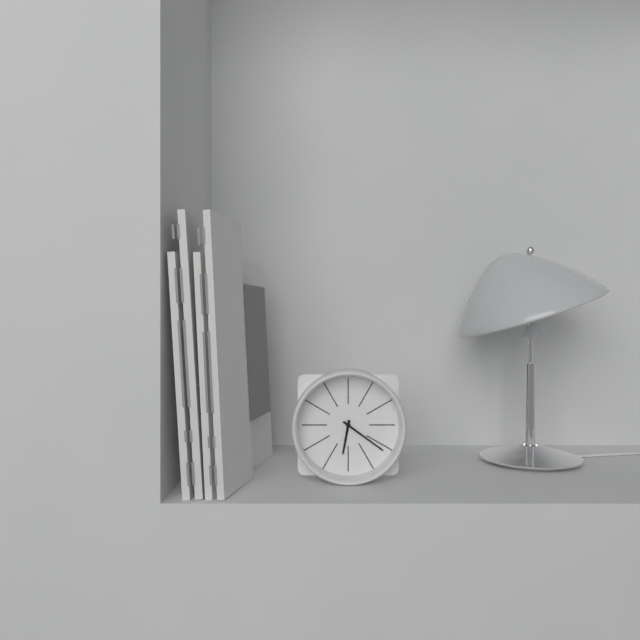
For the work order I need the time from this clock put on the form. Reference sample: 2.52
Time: 6.21
